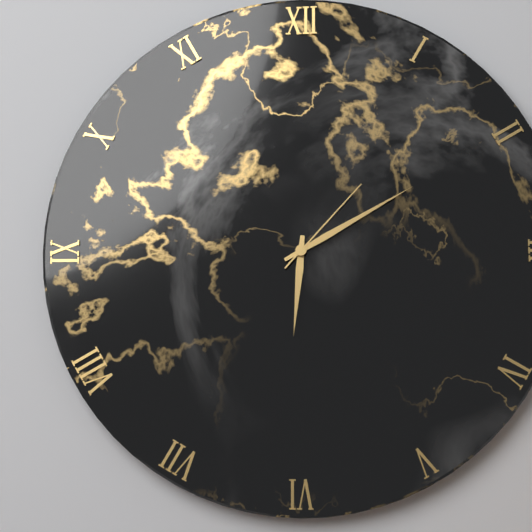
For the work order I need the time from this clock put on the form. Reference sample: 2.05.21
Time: 6.10.07
